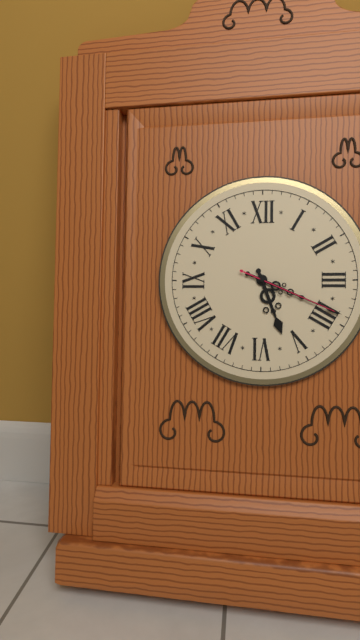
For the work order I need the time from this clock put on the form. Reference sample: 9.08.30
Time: 5.19.19
